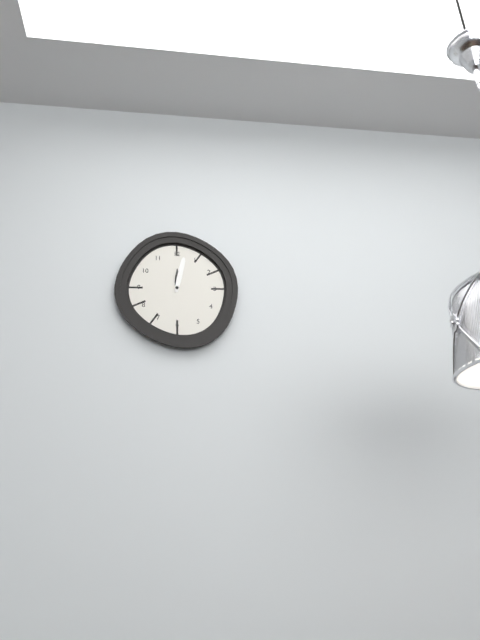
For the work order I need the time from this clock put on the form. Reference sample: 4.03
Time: 12.02
